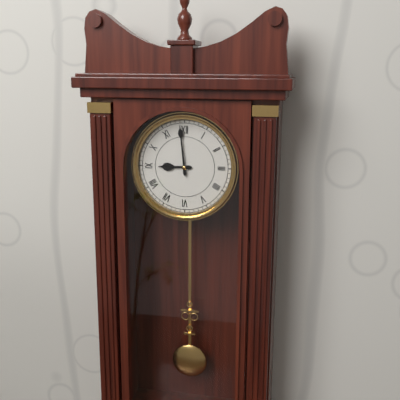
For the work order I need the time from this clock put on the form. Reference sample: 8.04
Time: 8.59
